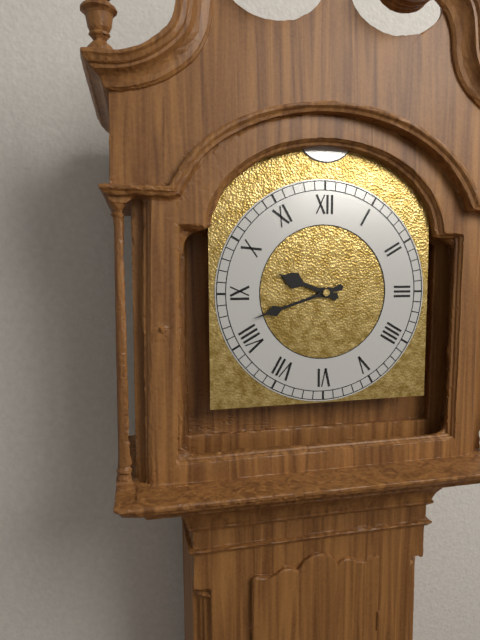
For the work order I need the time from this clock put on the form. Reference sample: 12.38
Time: 9.42
